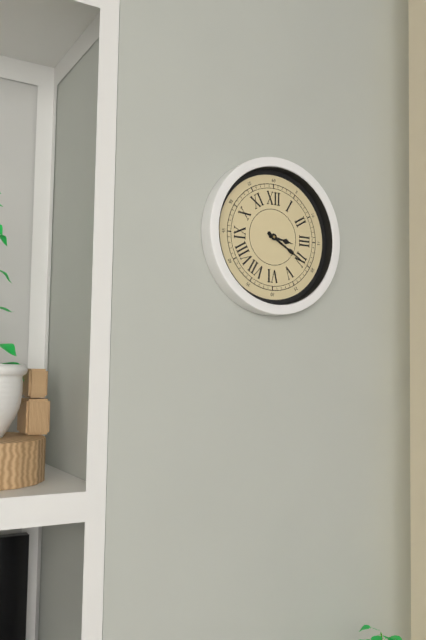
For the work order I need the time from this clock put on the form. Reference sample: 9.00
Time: 3.20
